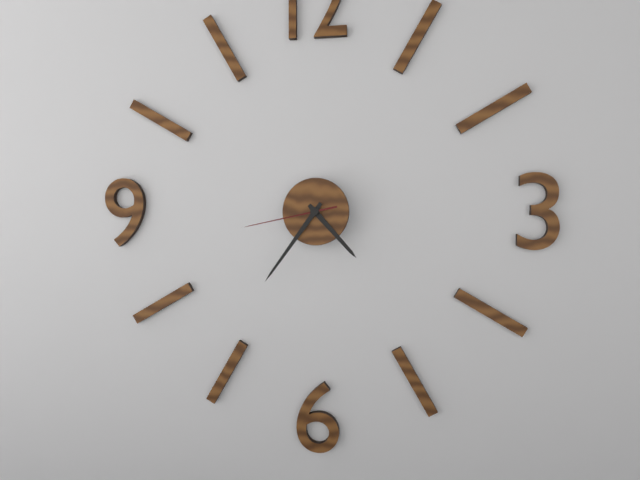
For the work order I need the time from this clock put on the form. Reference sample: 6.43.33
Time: 4.36.43
